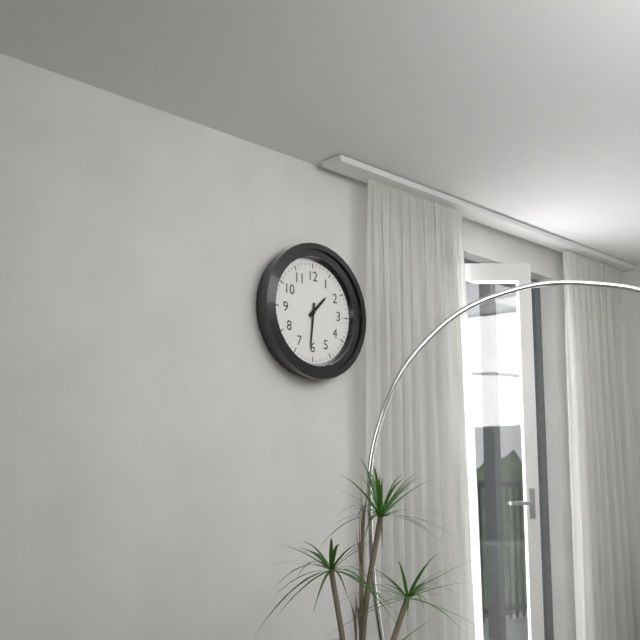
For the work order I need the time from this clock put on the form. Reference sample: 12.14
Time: 1.31
